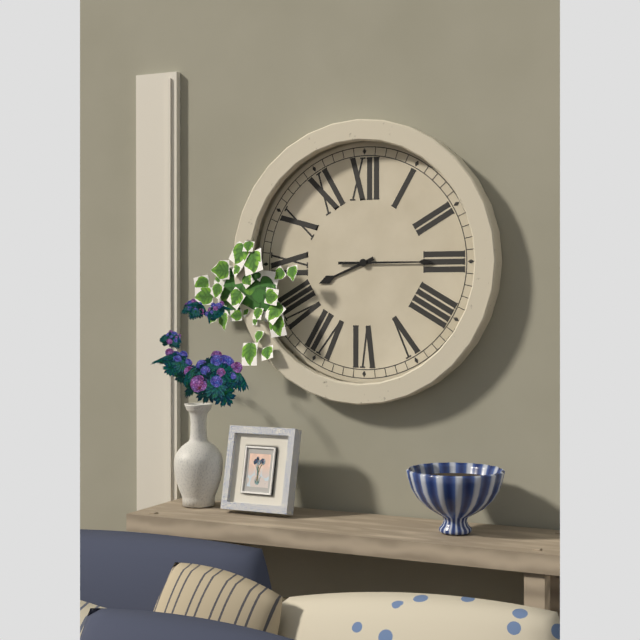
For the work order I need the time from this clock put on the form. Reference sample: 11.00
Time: 8.15
